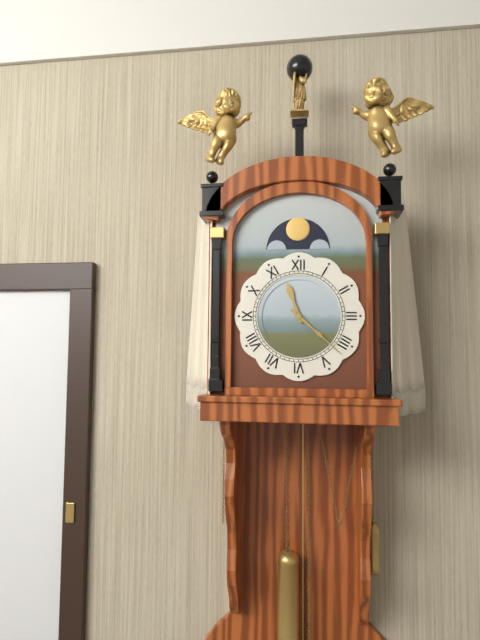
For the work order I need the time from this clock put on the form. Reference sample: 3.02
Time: 11.22
